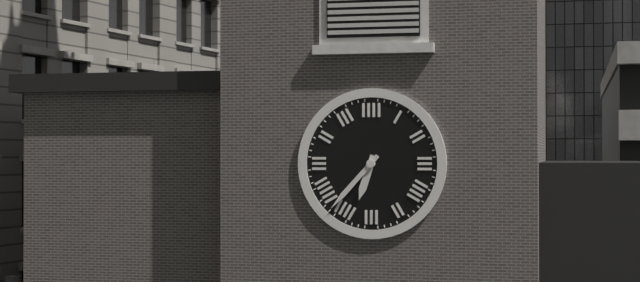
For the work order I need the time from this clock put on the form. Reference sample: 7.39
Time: 6.37
